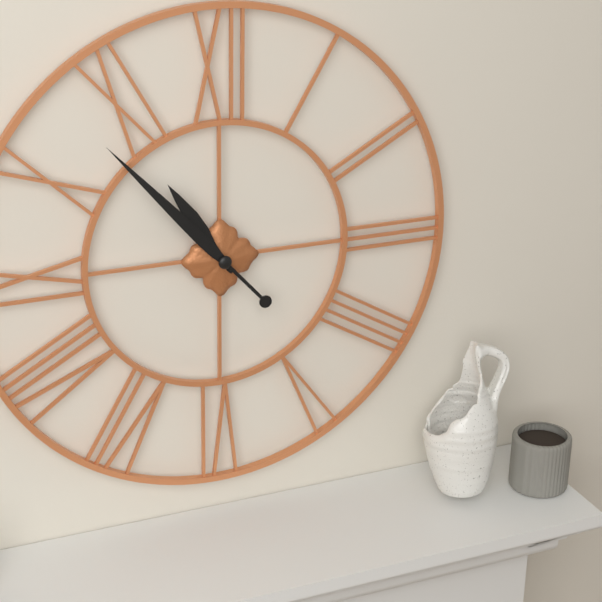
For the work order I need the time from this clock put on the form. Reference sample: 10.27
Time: 10.53
